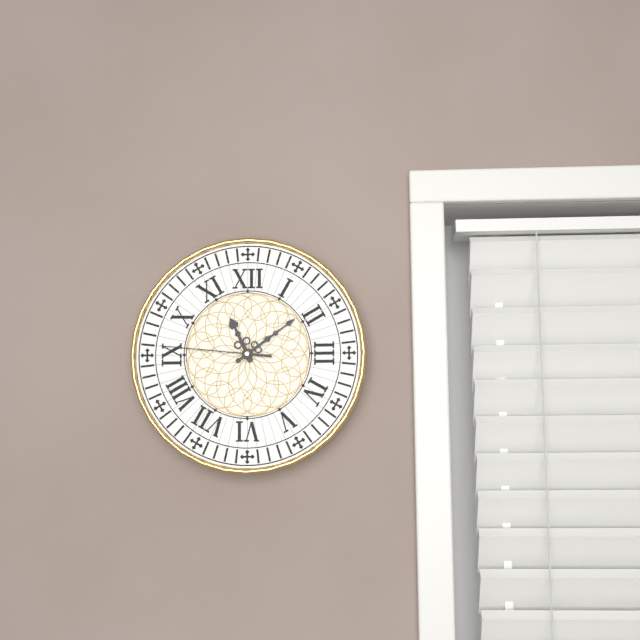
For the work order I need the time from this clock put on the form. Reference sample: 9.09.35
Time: 11.09.46
